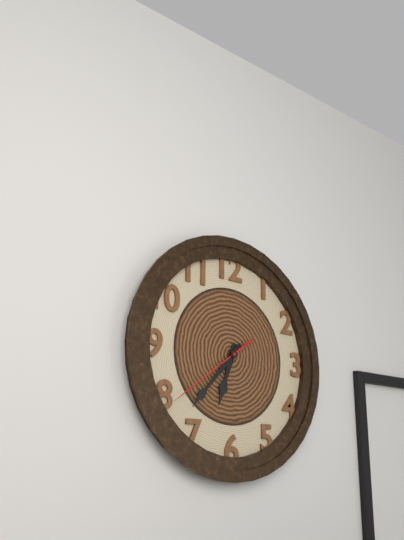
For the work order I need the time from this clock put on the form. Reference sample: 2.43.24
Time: 6.37.39
